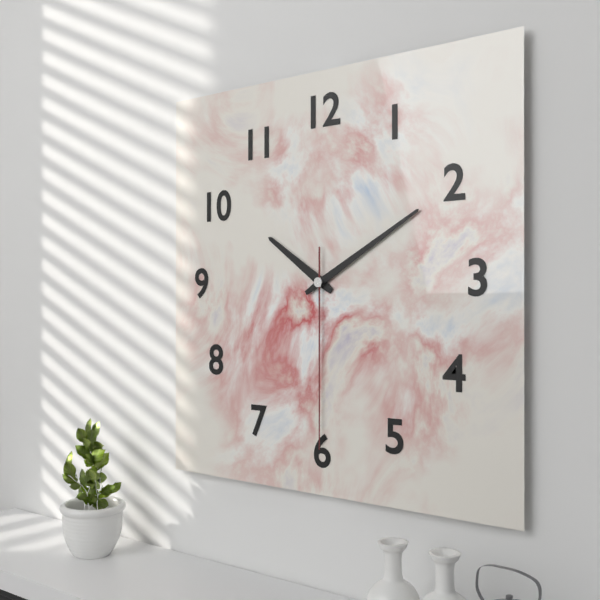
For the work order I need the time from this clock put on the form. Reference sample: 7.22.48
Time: 10.10.30
